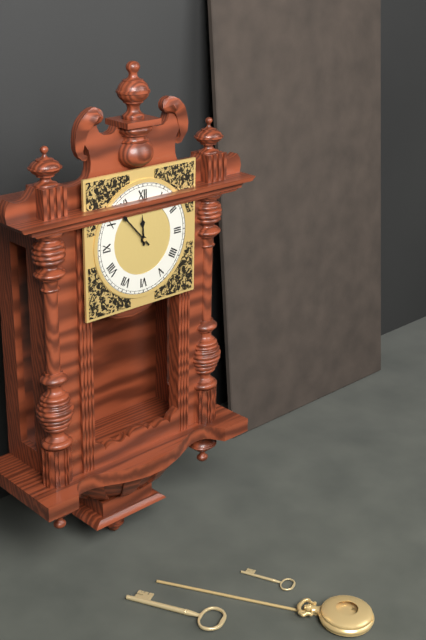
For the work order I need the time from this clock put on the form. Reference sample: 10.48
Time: 11.53
